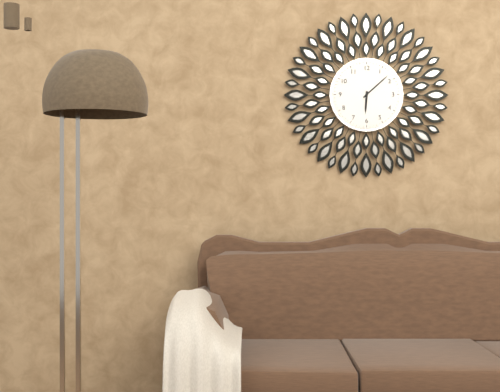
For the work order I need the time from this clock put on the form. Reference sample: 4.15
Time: 6.08
